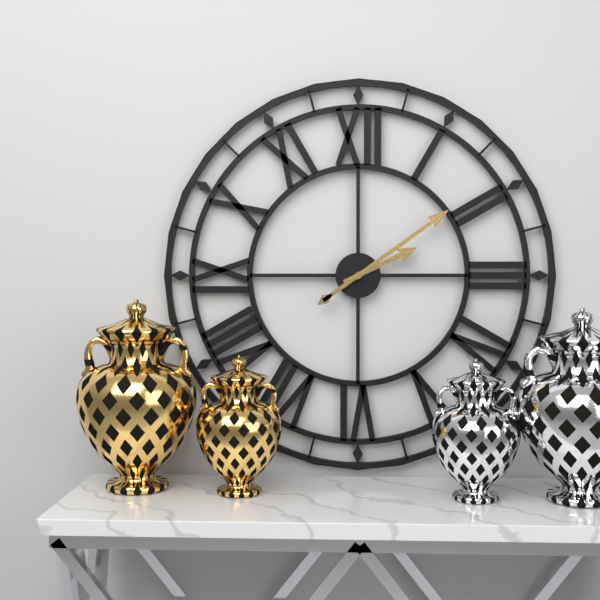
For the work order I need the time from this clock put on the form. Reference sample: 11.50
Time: 2.09
